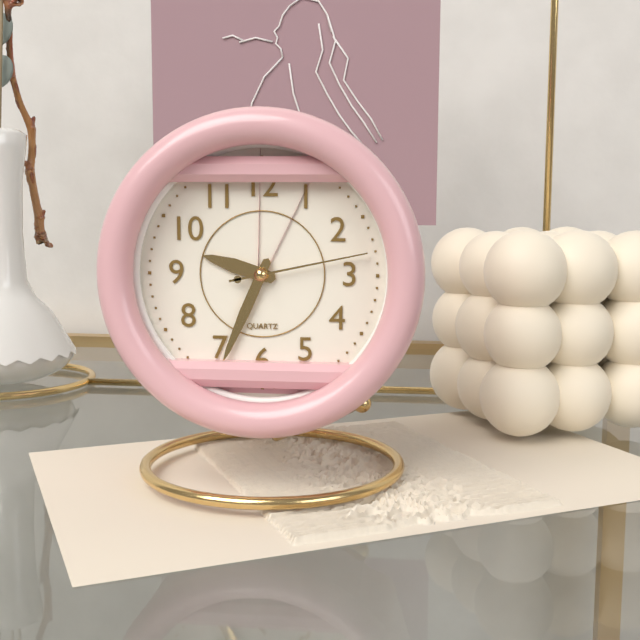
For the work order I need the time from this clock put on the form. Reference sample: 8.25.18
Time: 9.34.13
